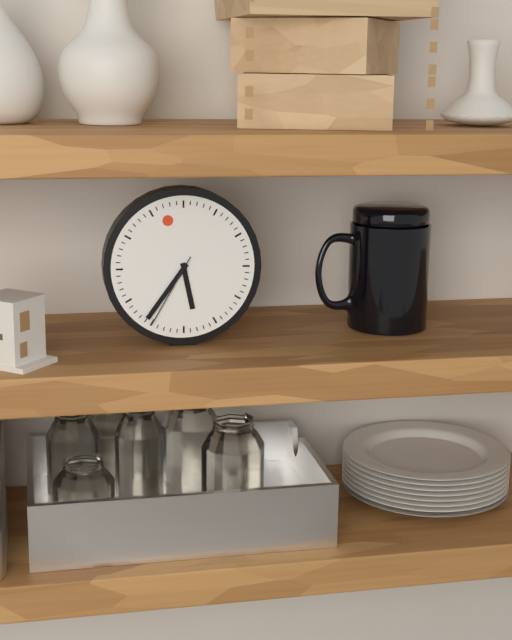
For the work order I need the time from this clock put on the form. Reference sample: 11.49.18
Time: 5.36.35
